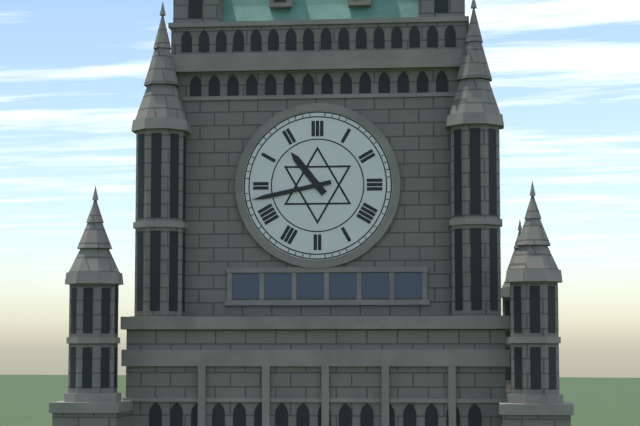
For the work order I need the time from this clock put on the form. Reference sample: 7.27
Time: 10.43
